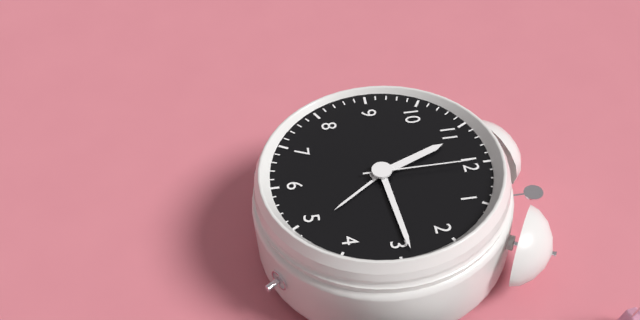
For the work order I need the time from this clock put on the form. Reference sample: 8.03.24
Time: 11.14.00
